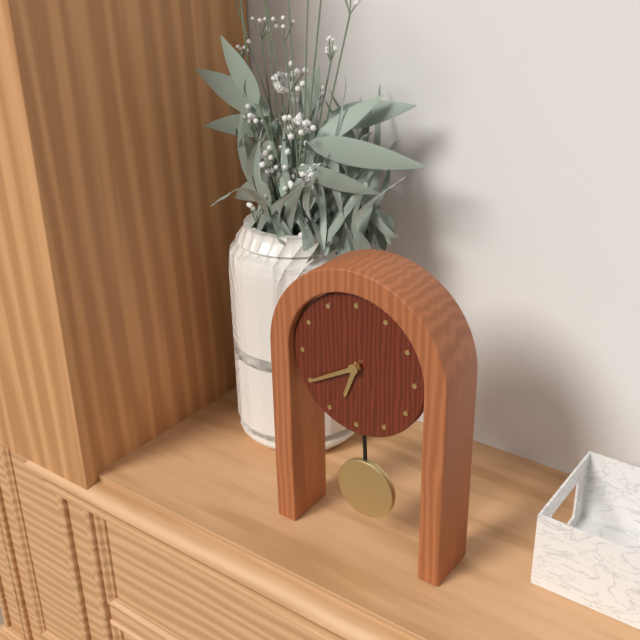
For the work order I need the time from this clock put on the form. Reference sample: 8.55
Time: 6.40
